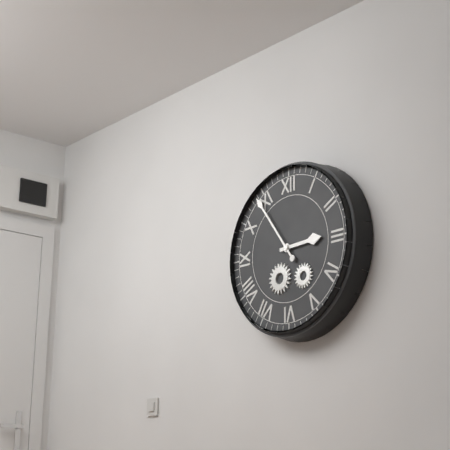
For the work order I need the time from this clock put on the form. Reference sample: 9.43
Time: 2.54
